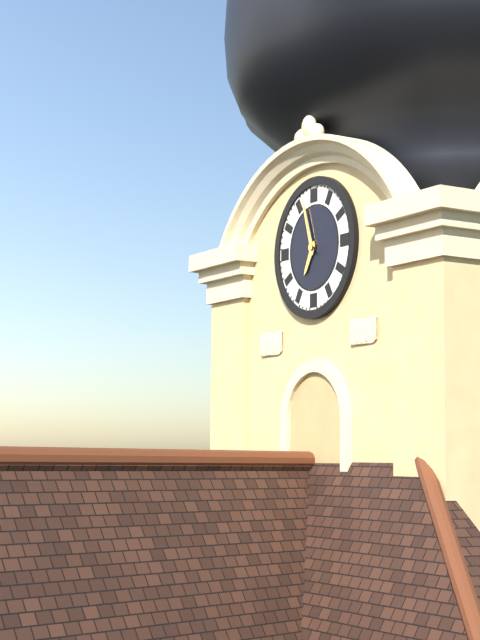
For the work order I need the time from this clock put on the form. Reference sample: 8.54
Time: 6.57
